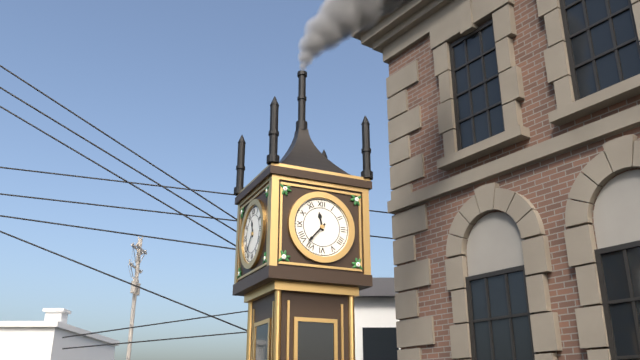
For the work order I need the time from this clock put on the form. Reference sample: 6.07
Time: 11.37
